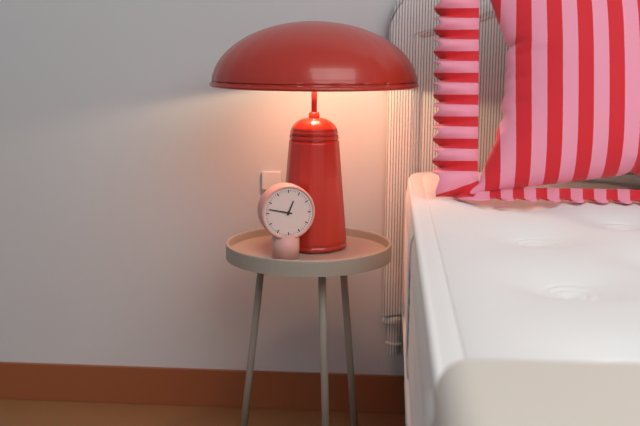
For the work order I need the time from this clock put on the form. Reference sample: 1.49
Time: 12.47
